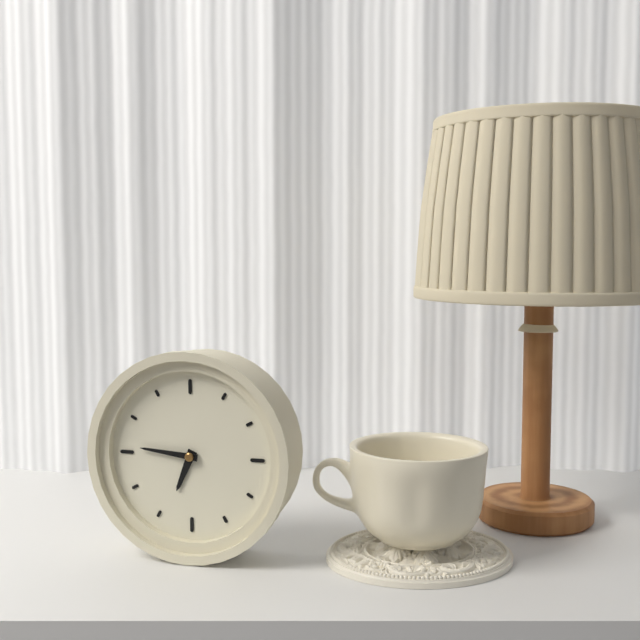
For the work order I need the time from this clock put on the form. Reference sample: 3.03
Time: 6.46
